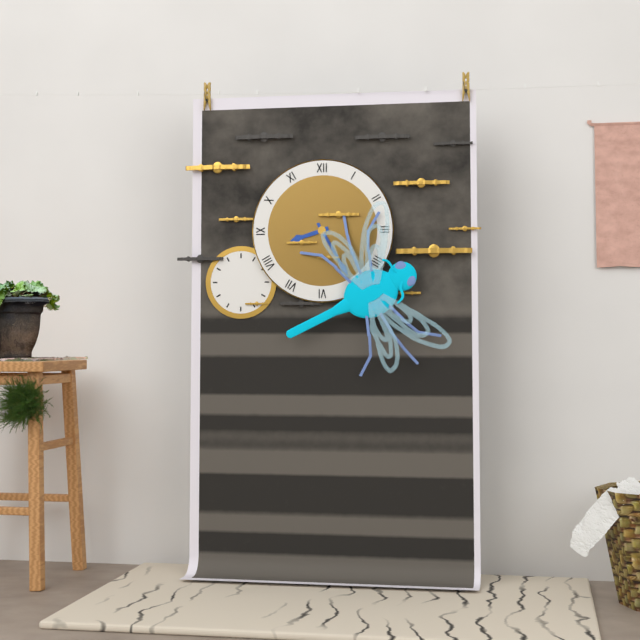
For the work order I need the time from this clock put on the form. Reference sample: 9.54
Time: 8.25
